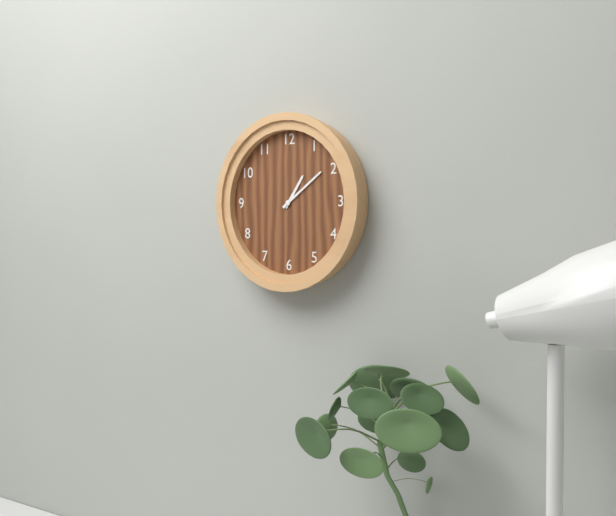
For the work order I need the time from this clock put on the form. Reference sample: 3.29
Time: 1.09
